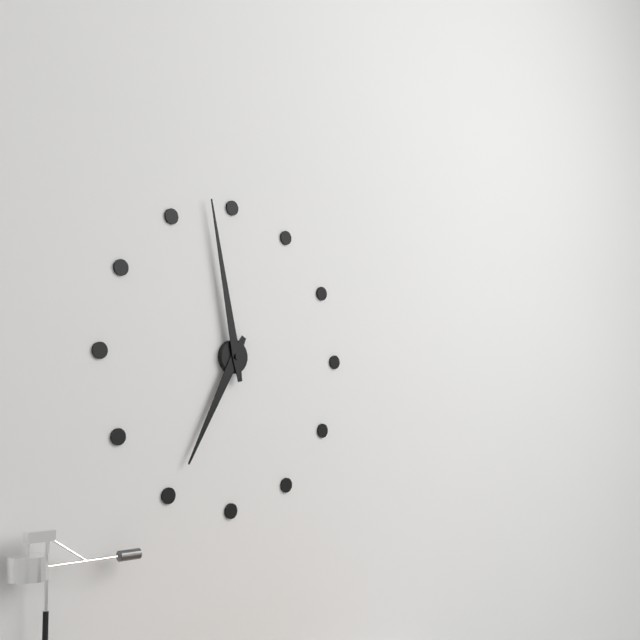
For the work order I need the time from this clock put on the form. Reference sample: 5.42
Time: 6.58
